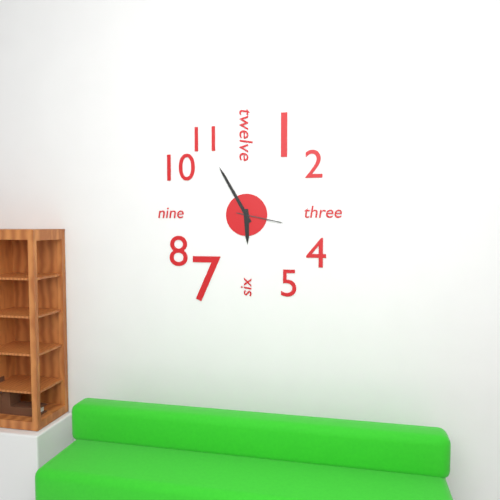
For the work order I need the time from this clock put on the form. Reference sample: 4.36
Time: 5.55
